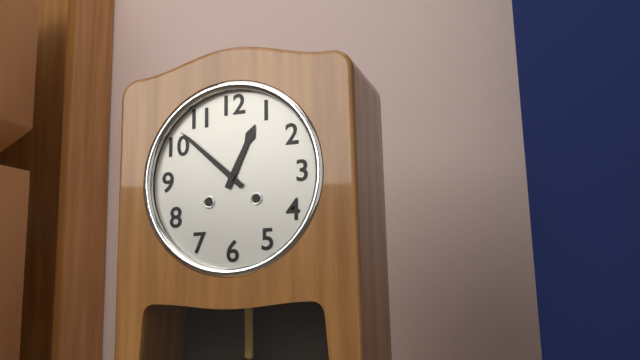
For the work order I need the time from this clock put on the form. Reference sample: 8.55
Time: 12.52
